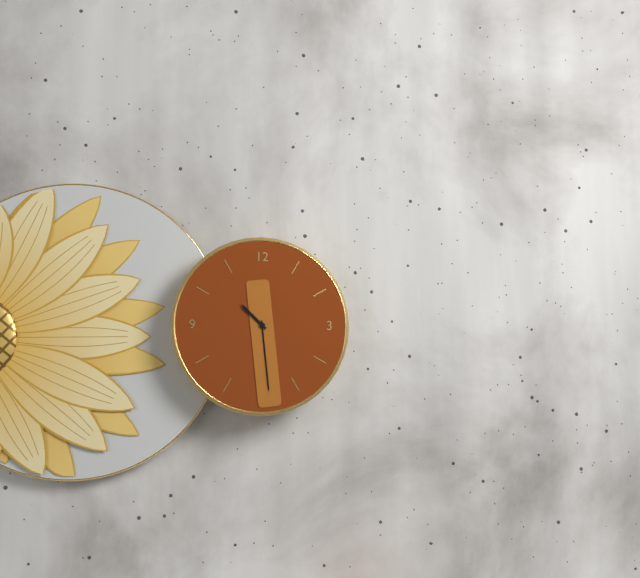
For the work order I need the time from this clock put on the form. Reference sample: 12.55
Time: 10.29
